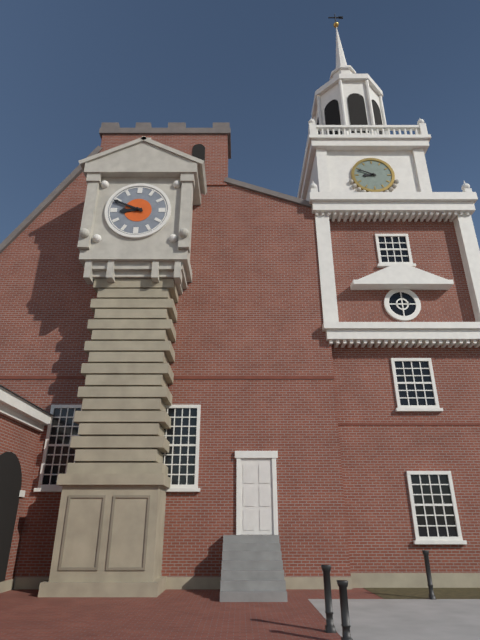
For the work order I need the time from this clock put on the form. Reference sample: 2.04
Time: 8.49
